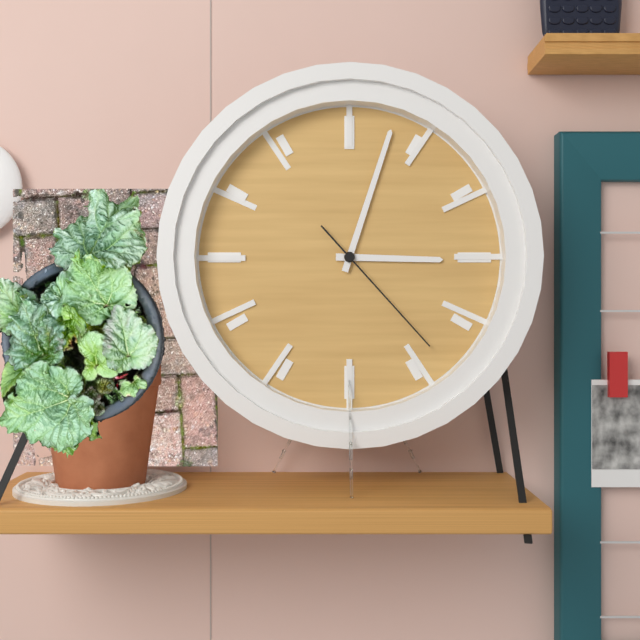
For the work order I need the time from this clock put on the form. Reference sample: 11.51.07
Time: 3.03.23
